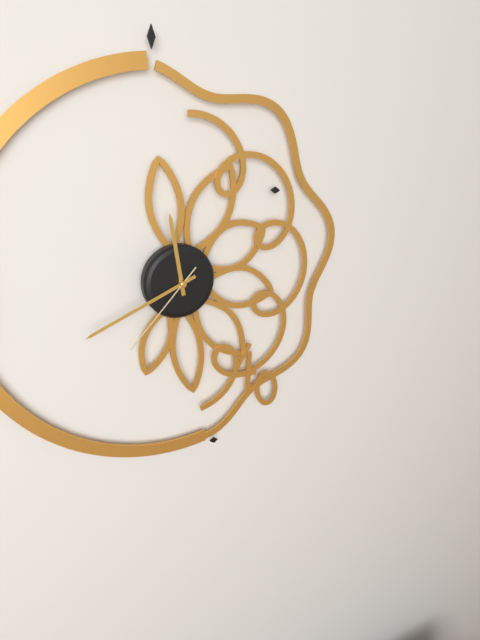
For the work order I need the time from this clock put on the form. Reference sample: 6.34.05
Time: 11.41.37
